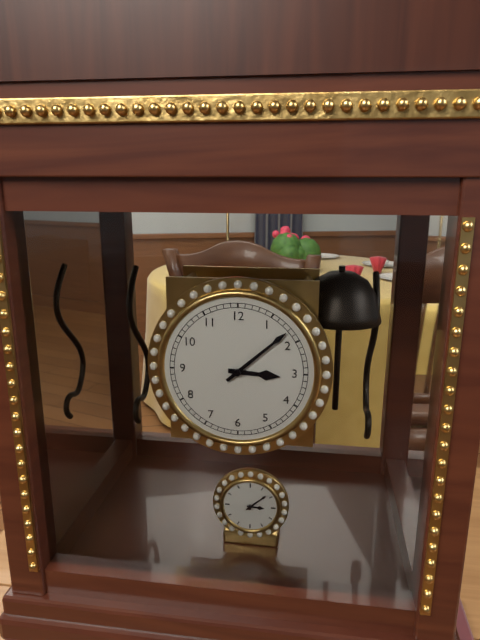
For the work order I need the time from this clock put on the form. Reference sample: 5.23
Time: 3.08
